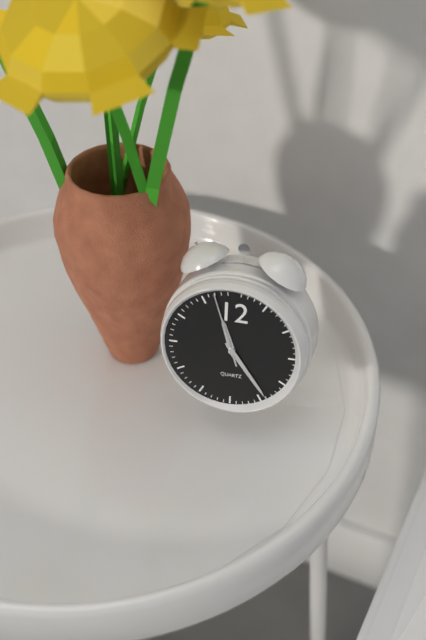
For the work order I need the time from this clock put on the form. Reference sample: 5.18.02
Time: 11.24.57
